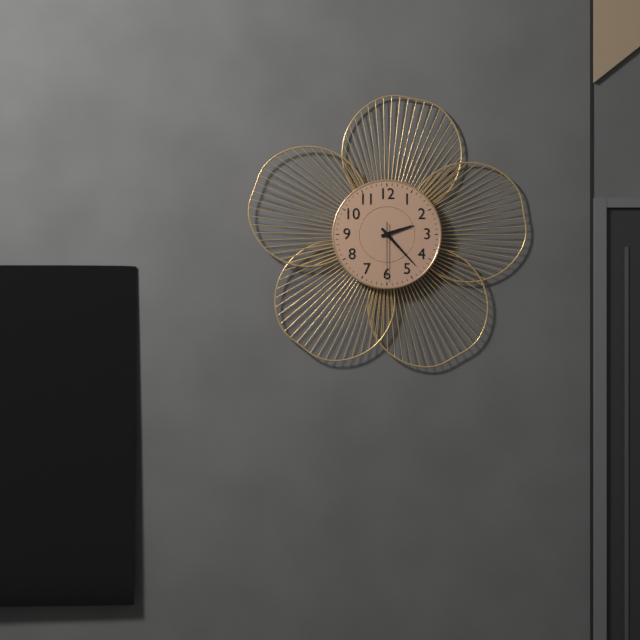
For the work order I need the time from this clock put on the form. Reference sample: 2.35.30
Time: 2.23.30
